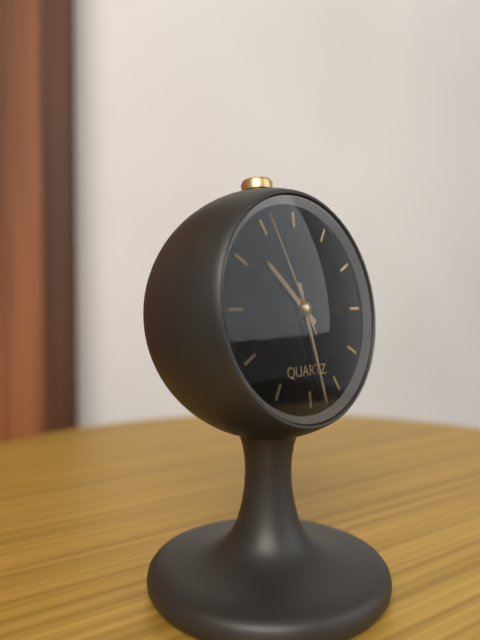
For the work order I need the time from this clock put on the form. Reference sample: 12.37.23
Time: 10.28.56
